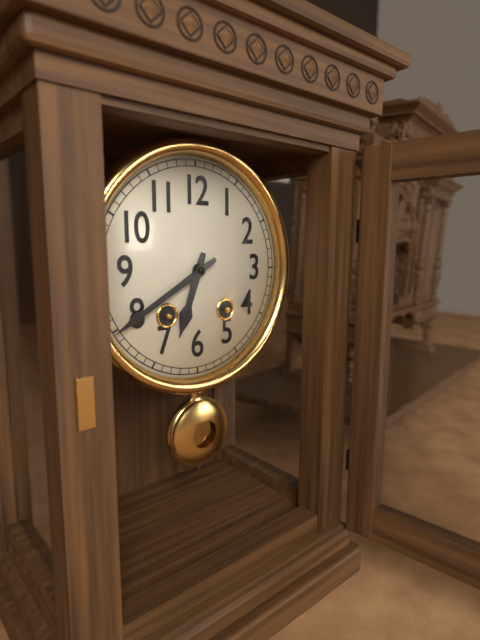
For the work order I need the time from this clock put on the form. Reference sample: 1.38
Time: 6.40
